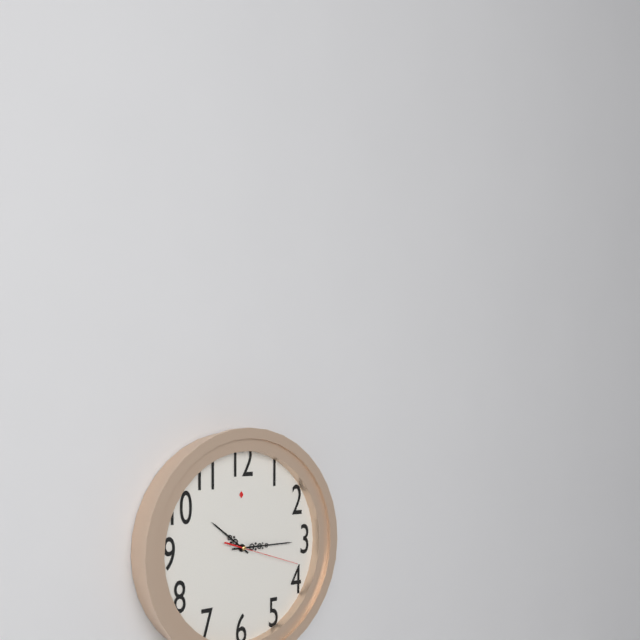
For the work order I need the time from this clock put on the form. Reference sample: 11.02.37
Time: 10.15.18
